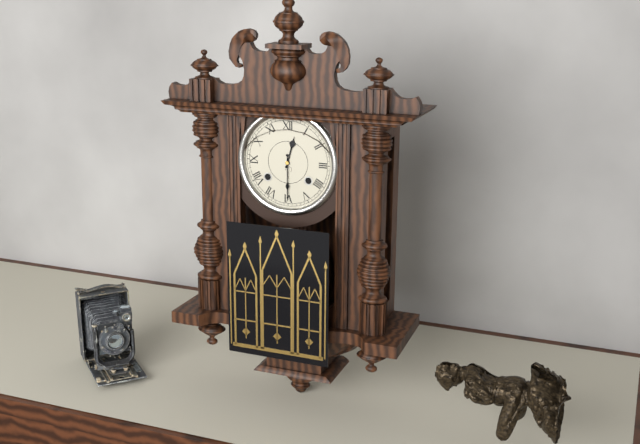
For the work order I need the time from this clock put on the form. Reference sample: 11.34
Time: 12.30
